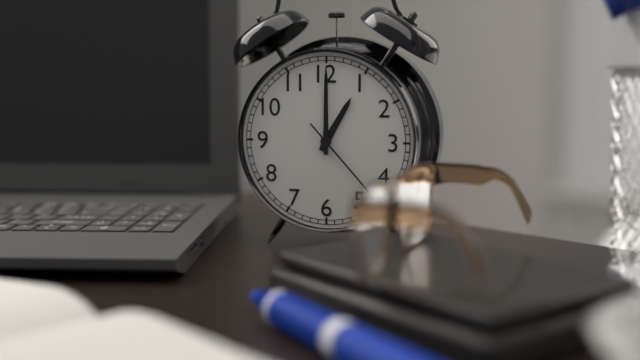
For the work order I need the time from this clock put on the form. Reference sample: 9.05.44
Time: 1.00.23
